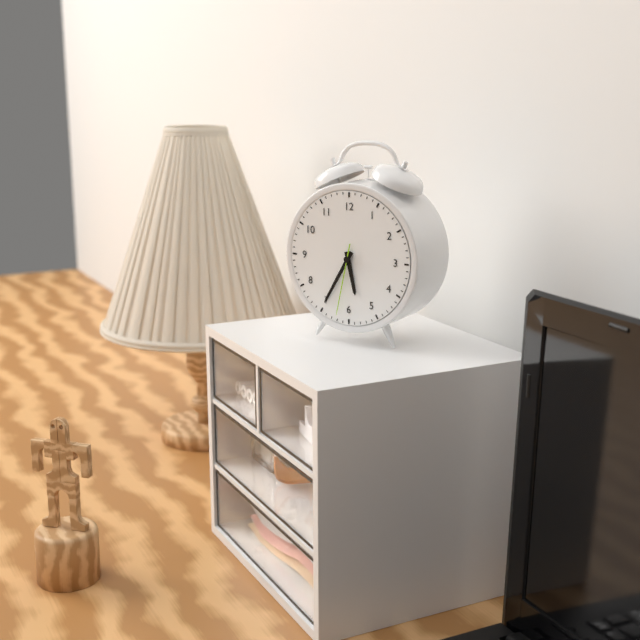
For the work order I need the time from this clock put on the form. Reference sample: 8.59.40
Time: 5.35.32
